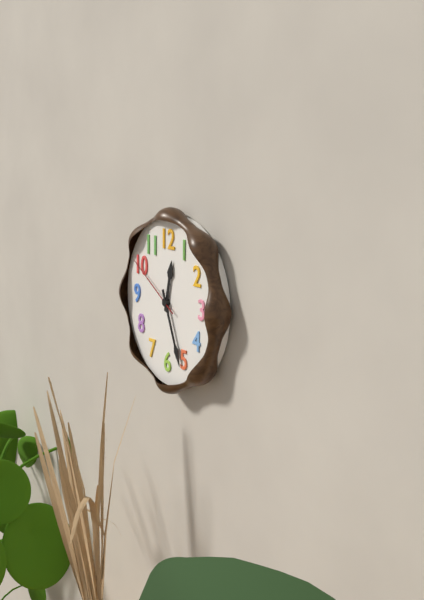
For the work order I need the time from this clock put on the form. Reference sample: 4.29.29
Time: 12.26.50
